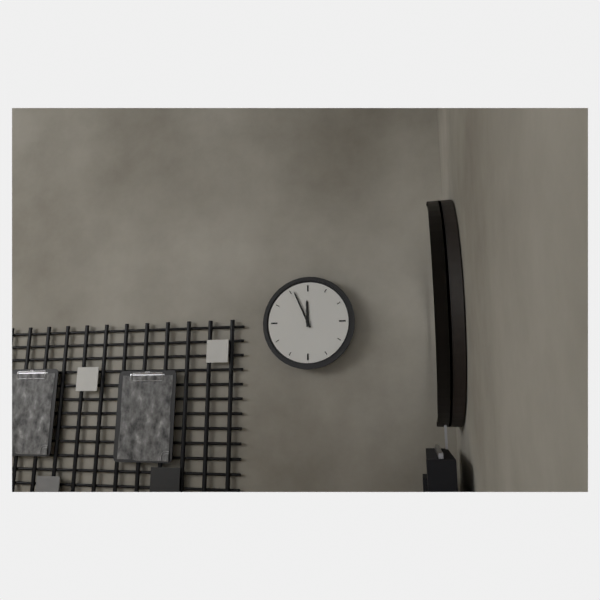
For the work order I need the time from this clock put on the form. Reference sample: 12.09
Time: 11.56
